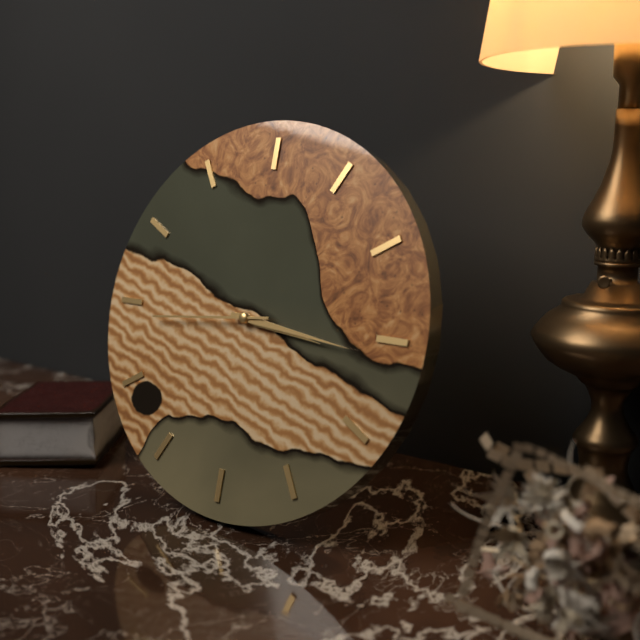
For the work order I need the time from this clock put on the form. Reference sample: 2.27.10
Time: 3.16.44
